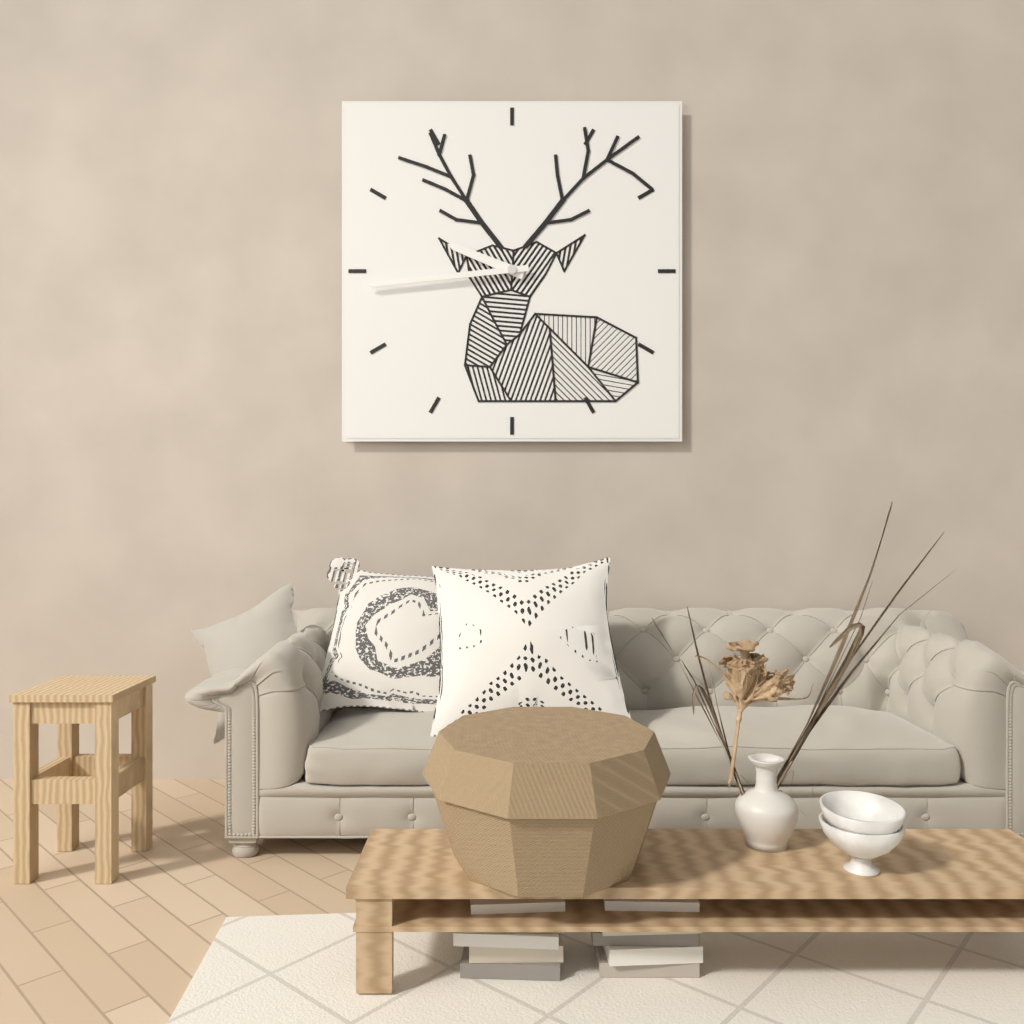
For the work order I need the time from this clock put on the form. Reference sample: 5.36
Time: 9.44
